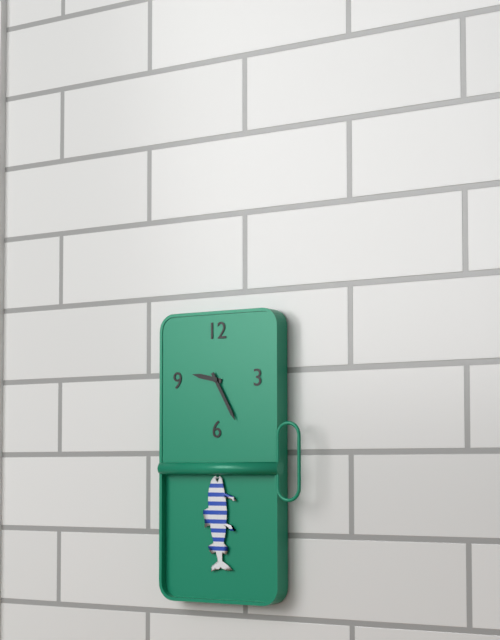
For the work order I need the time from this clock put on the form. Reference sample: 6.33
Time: 9.25
